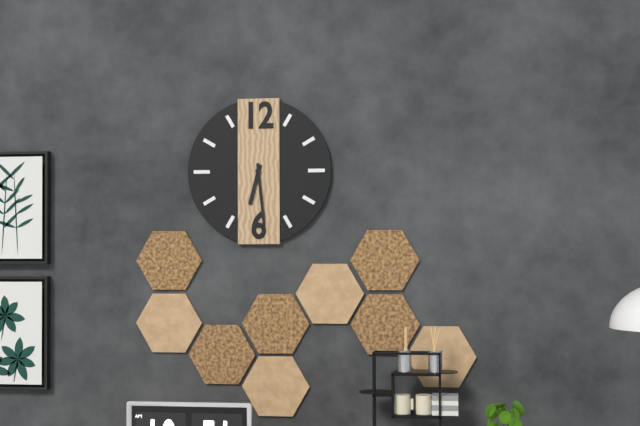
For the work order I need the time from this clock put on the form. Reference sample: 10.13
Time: 6.29
